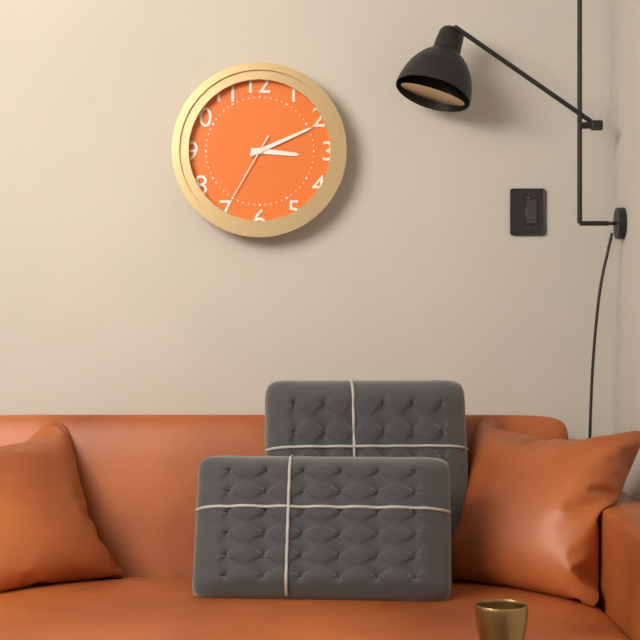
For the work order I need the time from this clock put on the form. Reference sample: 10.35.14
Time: 3.11.35
